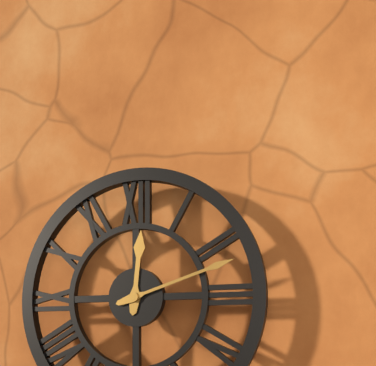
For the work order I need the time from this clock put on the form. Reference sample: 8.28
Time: 12.12
